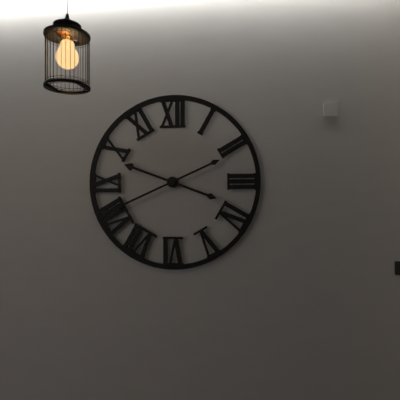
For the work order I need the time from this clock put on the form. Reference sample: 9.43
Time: 9.41
